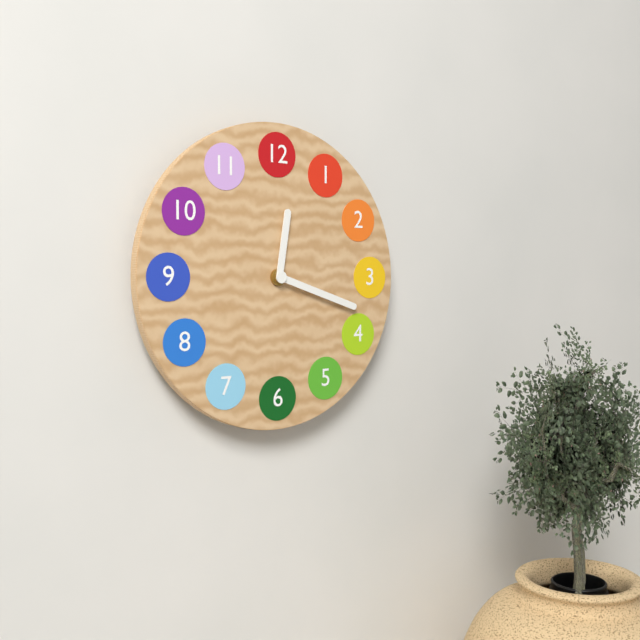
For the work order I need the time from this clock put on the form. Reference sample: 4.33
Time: 12.18
